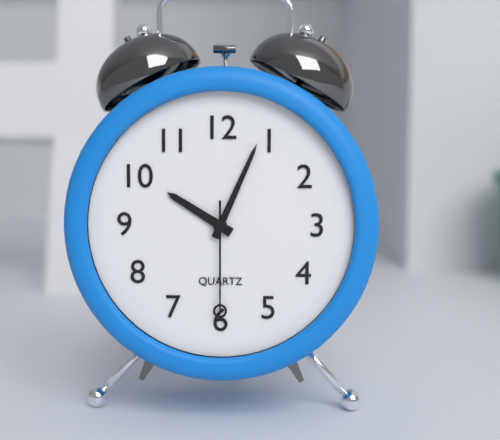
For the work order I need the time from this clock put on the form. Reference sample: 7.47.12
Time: 10.04.30
